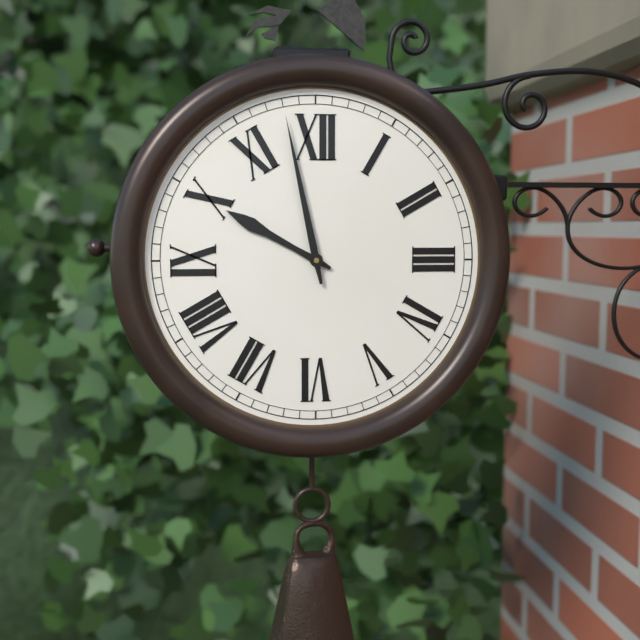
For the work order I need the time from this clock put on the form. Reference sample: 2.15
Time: 9.58
